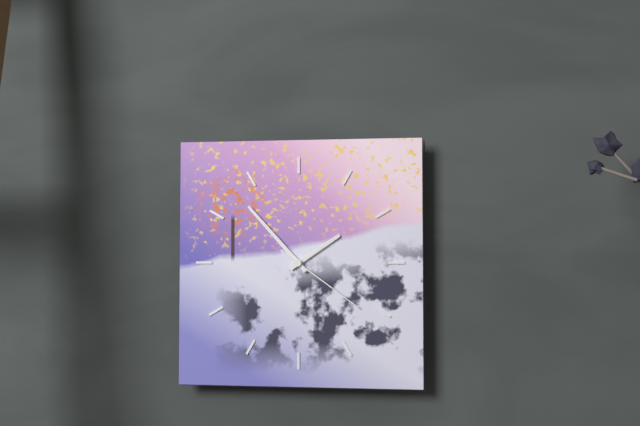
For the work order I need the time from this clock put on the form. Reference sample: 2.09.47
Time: 1.53.21
